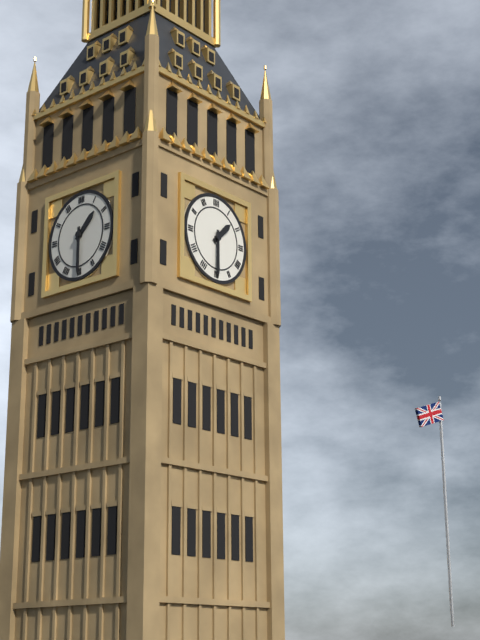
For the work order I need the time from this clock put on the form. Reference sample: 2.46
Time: 1.30
